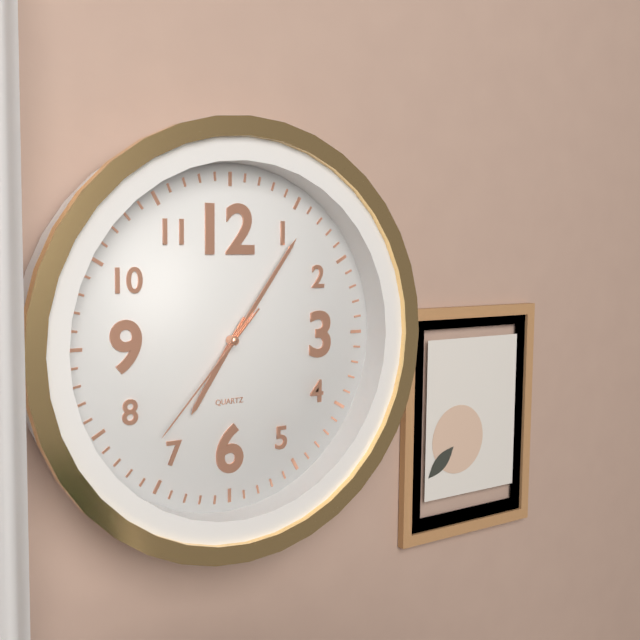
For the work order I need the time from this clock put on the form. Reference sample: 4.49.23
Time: 7.06.37
